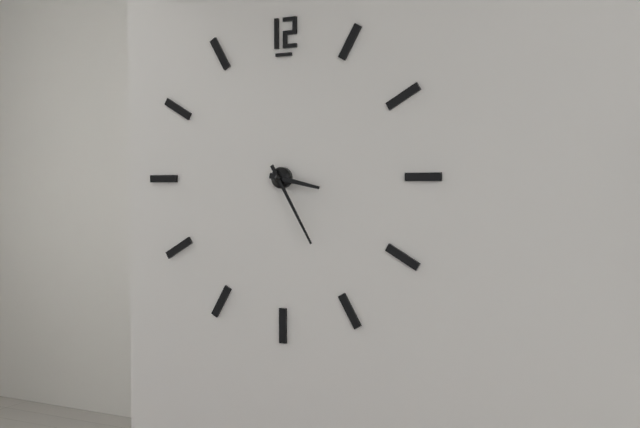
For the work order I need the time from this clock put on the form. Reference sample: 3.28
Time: 3.25
